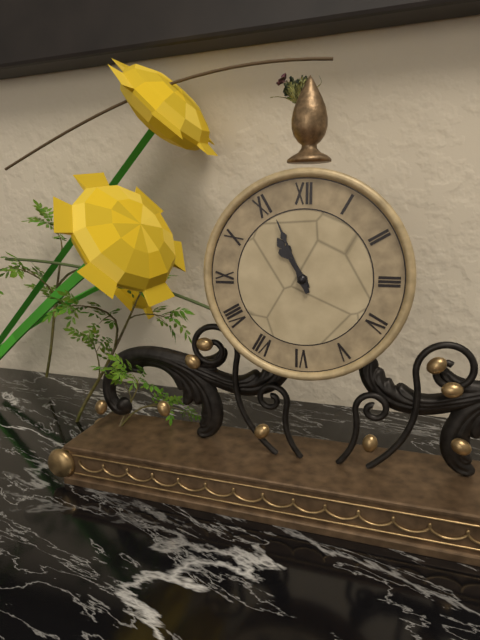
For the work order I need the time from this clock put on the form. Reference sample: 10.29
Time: 10.56
